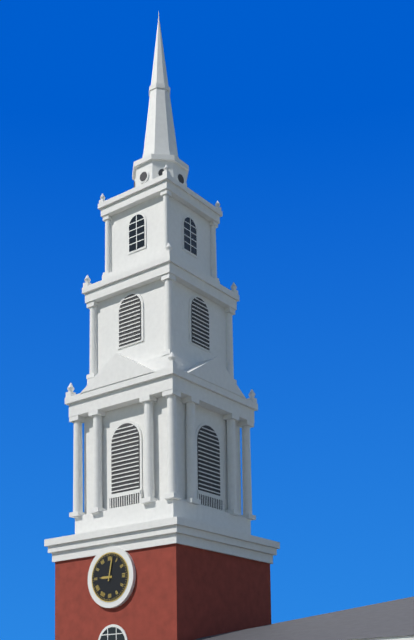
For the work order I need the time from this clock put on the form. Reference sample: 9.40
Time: 9.02
